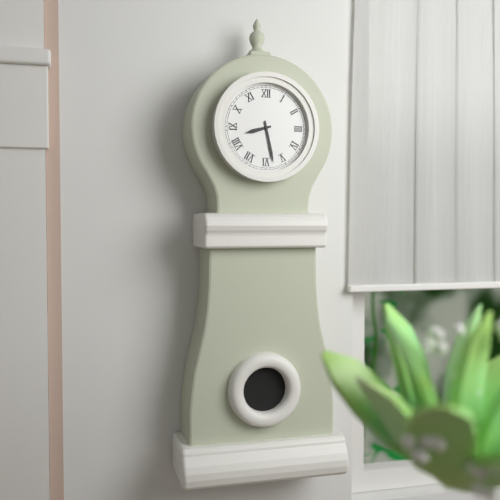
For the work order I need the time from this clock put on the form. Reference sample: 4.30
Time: 8.28
